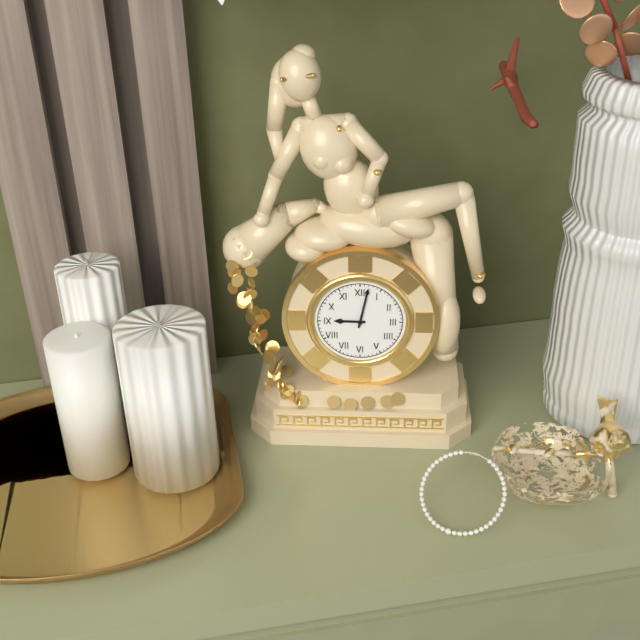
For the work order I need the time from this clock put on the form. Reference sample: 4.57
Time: 9.02
